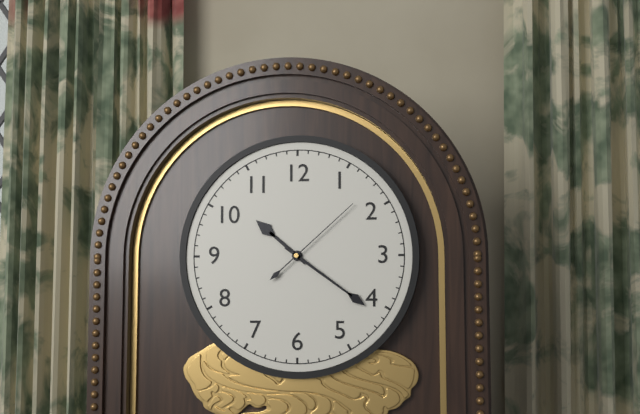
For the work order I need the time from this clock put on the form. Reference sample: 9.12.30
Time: 10.21.08
